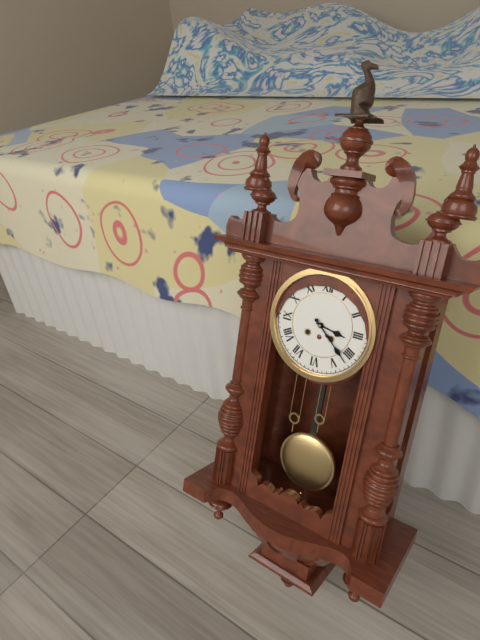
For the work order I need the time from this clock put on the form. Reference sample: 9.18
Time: 3.22
